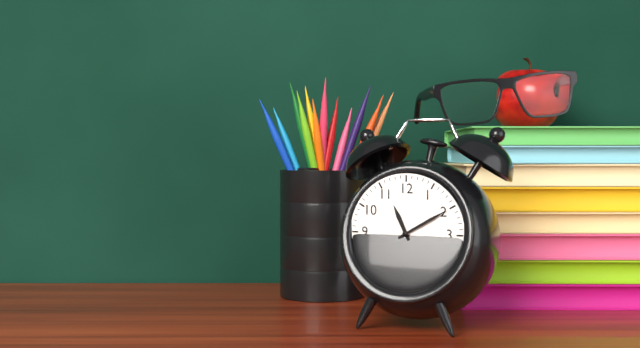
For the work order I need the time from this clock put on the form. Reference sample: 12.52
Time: 11.10
